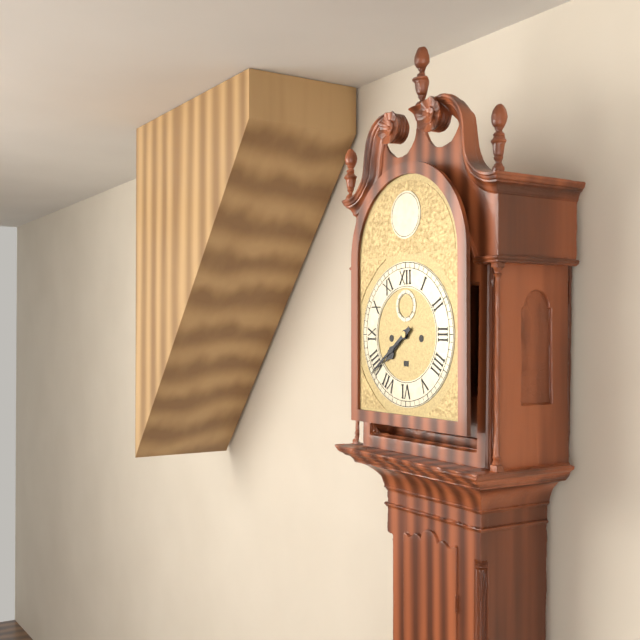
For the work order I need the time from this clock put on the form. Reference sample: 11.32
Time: 7.39
